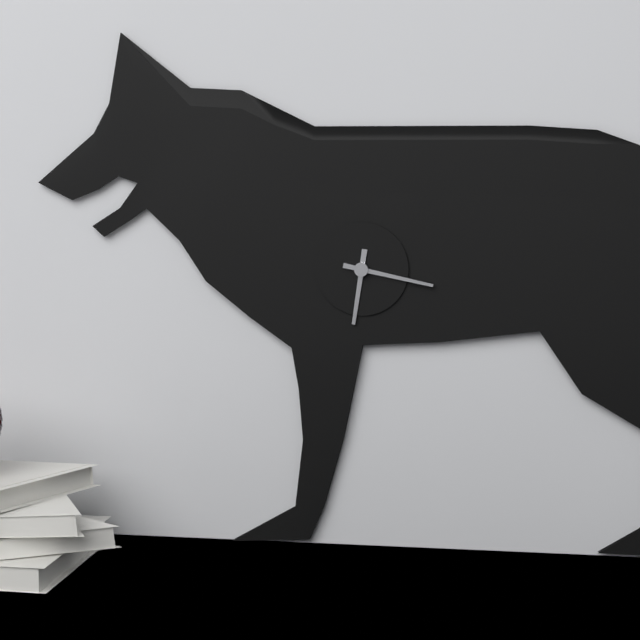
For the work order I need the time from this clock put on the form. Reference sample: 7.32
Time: 6.17
